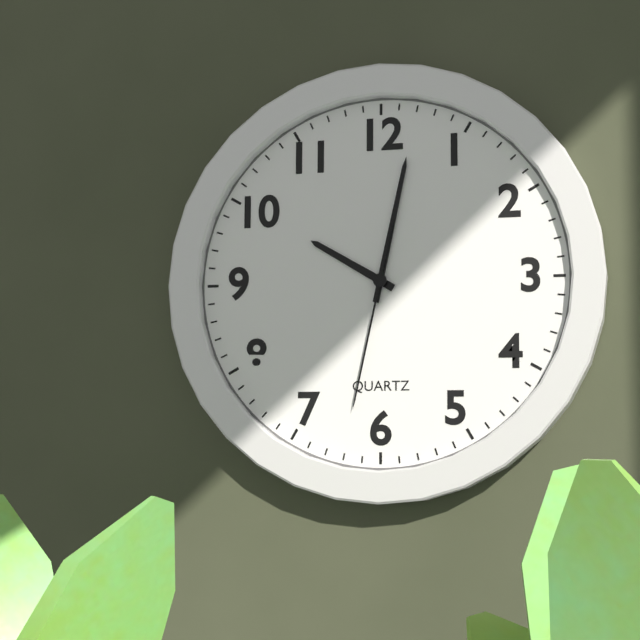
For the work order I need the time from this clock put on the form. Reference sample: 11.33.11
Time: 10.02.32
